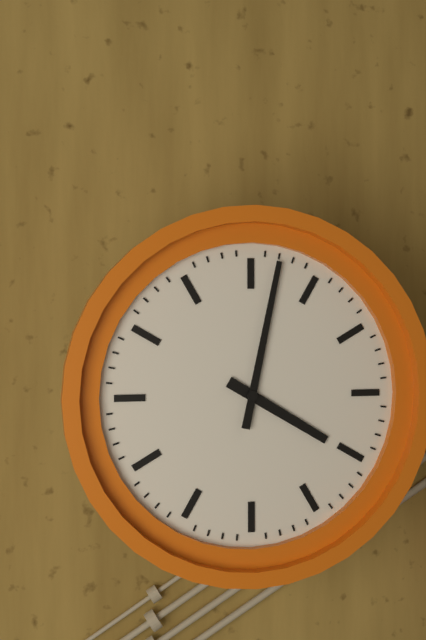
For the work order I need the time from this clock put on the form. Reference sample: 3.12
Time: 4.02
